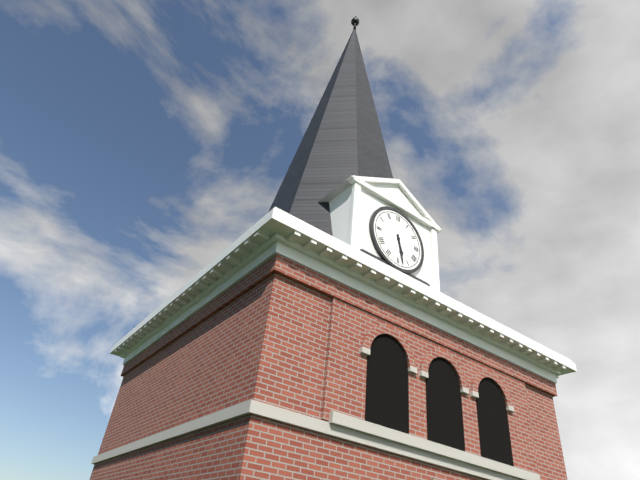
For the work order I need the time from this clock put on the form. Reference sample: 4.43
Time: 5.28
